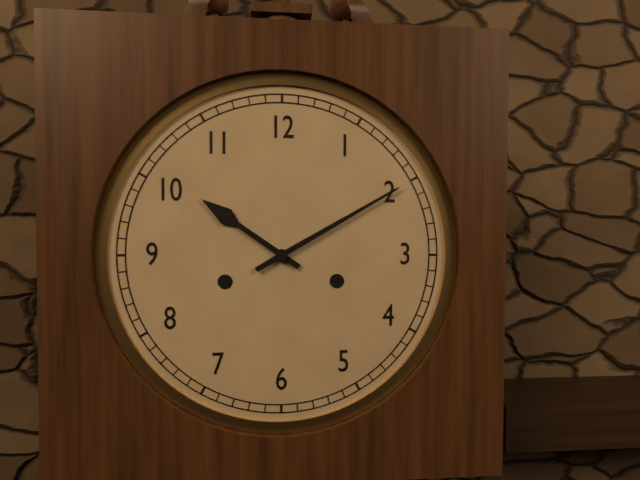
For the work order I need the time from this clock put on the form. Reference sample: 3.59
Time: 10.10
